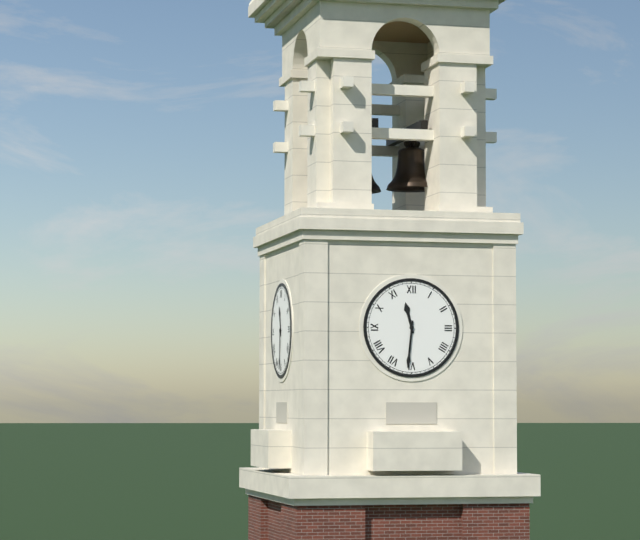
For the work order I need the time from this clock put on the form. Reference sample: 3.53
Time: 11.31
